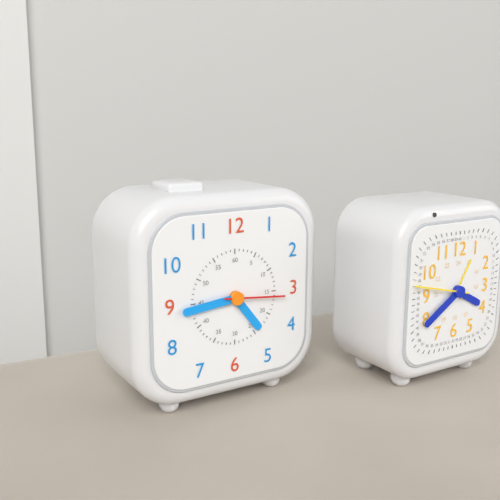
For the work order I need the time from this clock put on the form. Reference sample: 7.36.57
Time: 4.44.16
